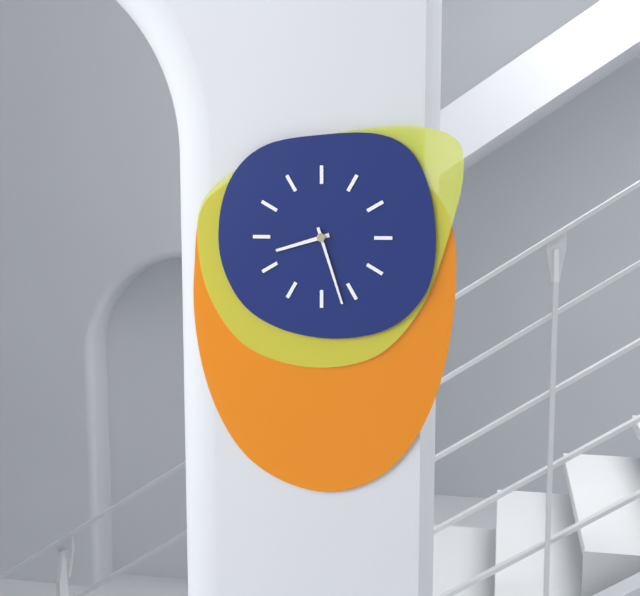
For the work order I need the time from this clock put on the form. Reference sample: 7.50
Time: 8.27
